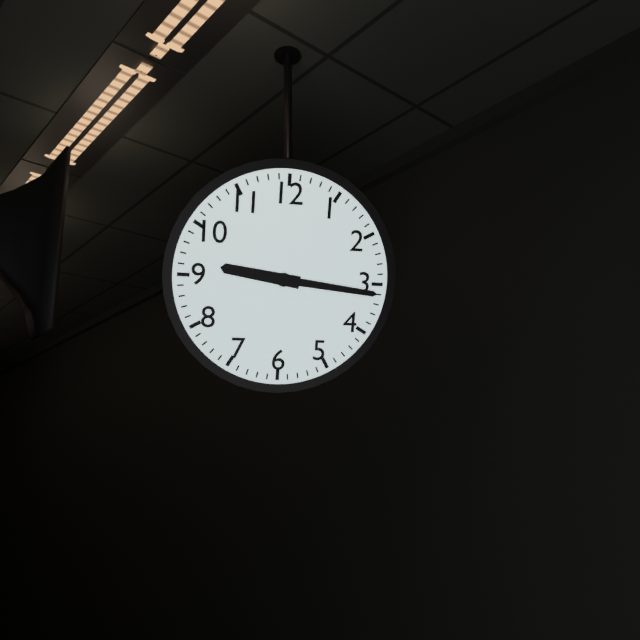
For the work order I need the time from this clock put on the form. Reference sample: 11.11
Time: 9.16
